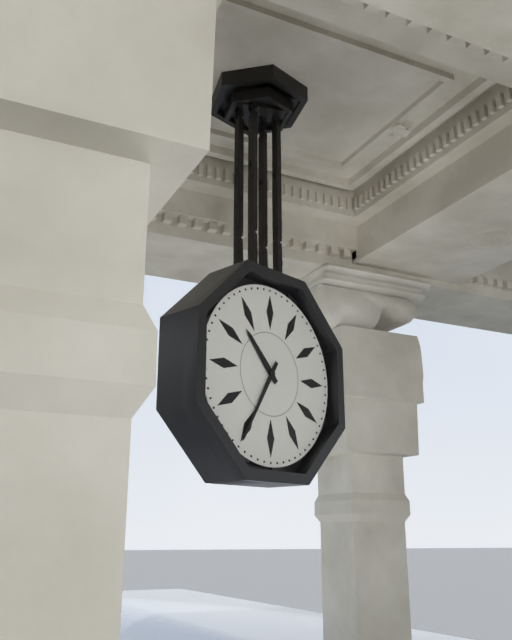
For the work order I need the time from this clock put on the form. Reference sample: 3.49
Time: 10.35
